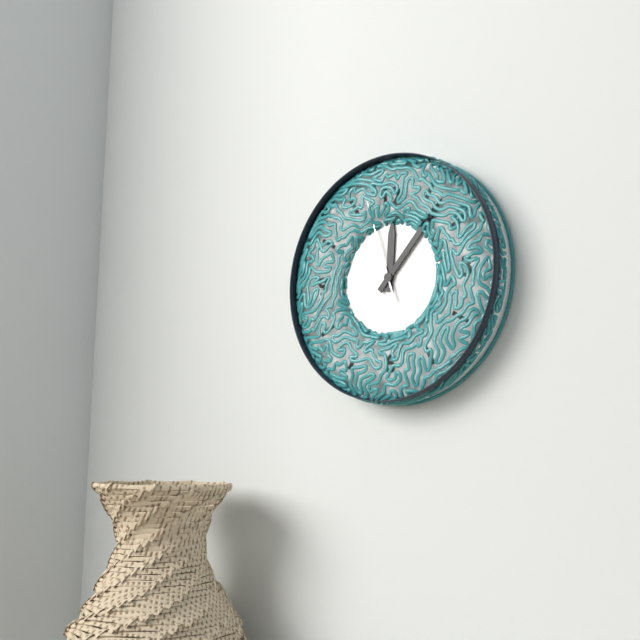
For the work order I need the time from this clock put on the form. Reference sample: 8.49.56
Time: 12.07.57
